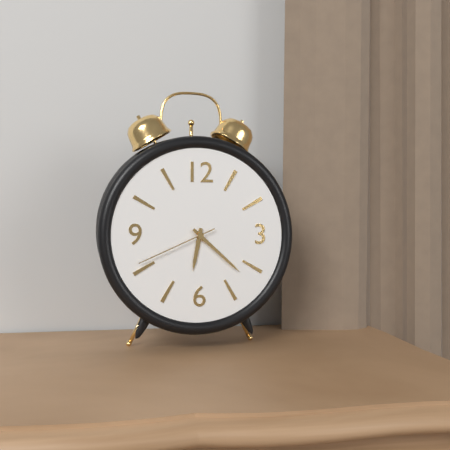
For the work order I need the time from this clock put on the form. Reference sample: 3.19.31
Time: 6.22.41
